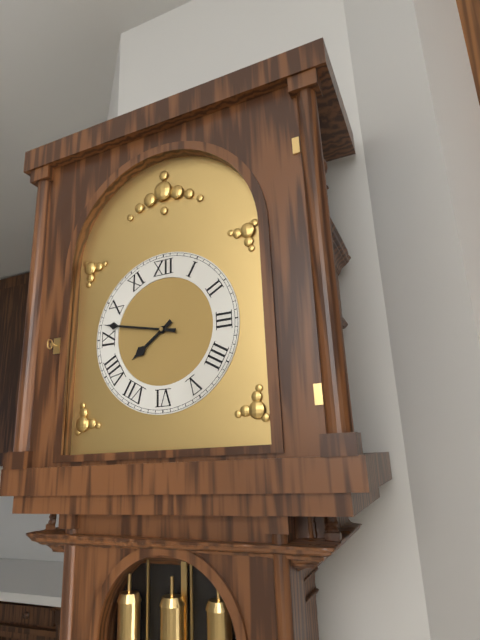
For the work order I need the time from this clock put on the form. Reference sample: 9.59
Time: 7.47
